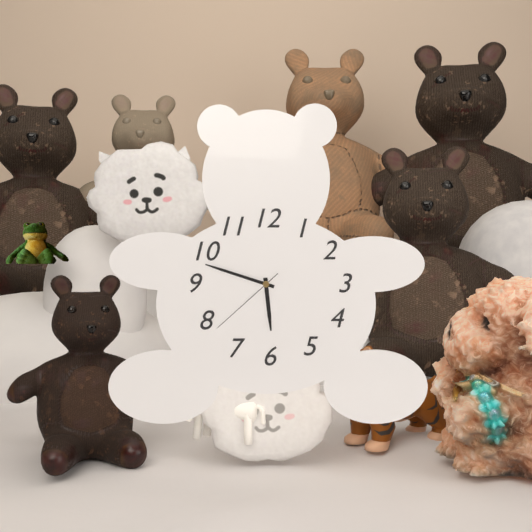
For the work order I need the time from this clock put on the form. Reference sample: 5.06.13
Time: 5.48.38
